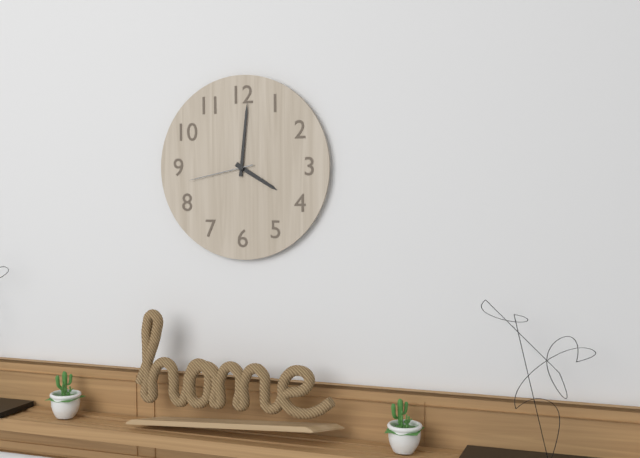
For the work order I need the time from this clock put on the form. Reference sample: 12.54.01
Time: 4.01.43
